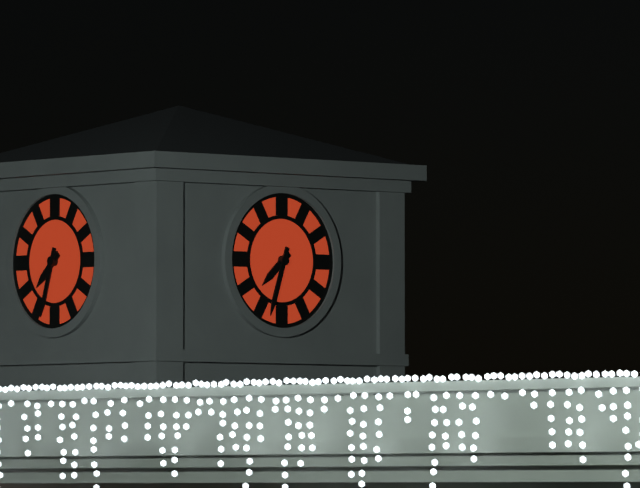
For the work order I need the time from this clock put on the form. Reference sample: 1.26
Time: 7.33
